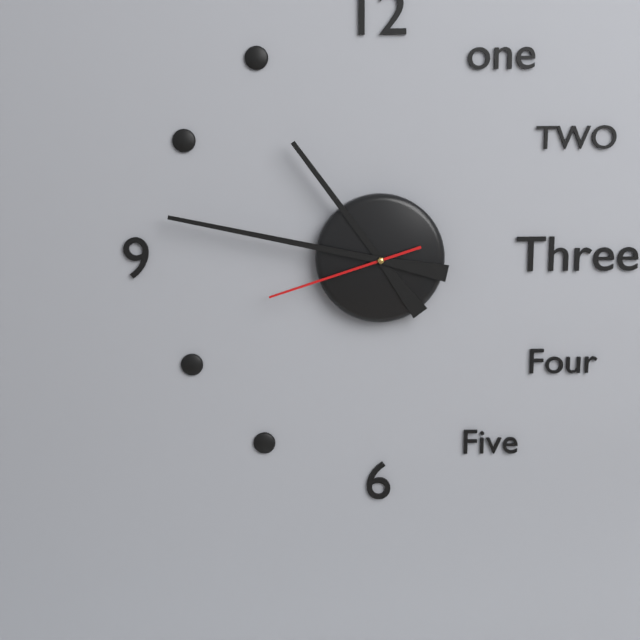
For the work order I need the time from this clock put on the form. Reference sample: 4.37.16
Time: 10.47.42
